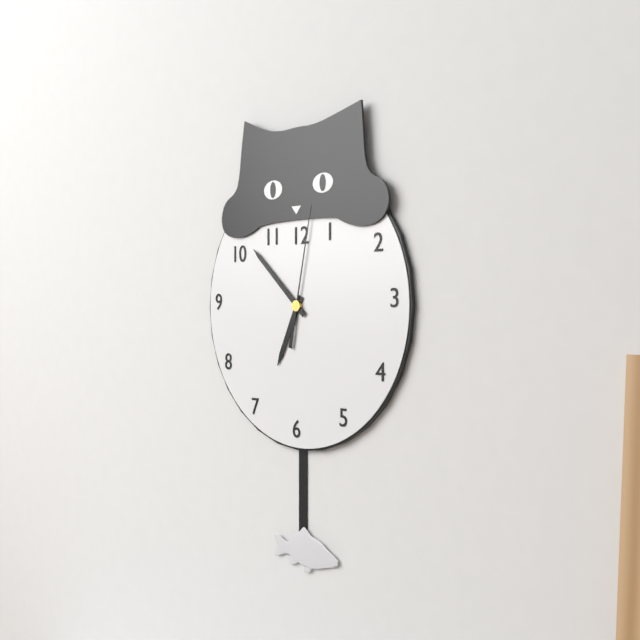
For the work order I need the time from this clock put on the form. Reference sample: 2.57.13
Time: 6.52.02
